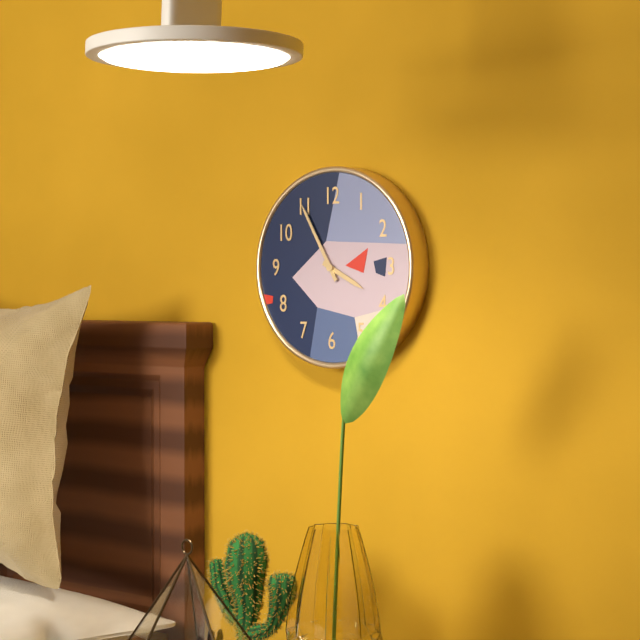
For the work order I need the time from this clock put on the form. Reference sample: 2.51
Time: 3.55
